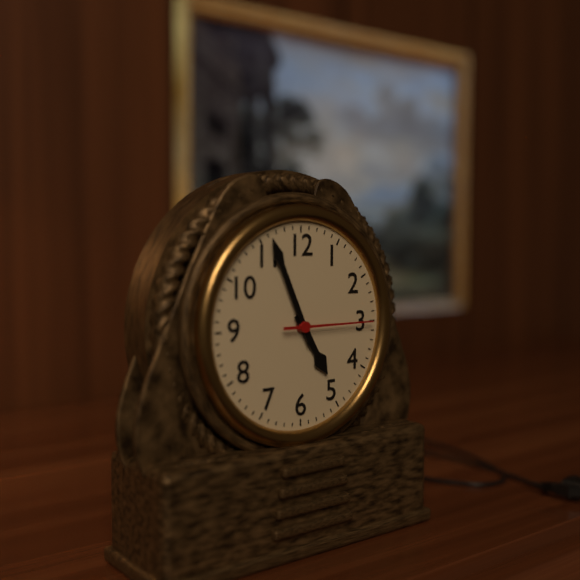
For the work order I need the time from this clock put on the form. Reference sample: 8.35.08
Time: 4.56.15
